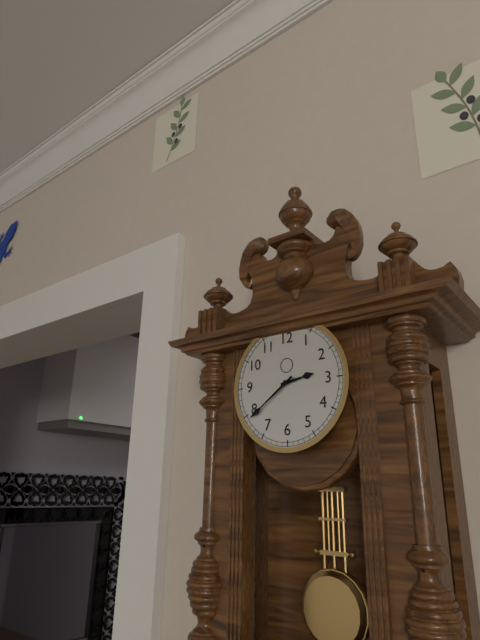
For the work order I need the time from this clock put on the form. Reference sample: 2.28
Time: 2.39
